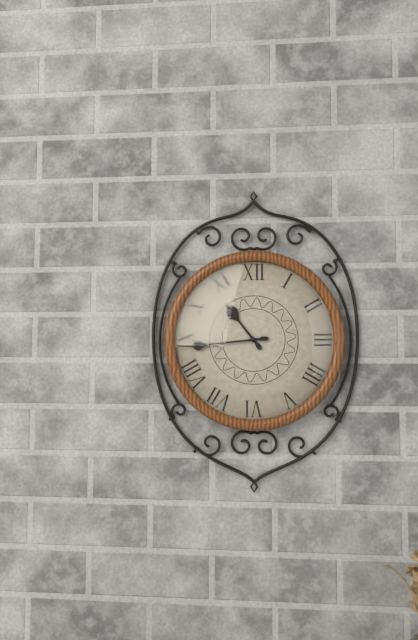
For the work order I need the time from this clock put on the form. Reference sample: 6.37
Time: 10.44
